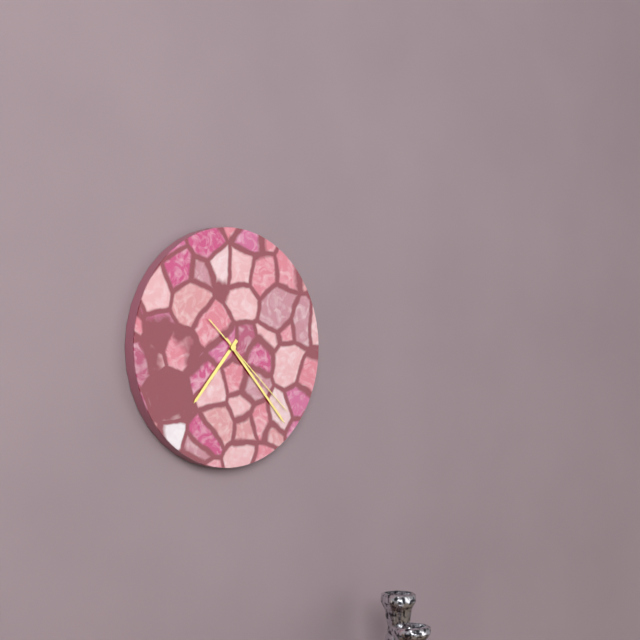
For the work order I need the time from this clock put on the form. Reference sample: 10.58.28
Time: 7.23.22
